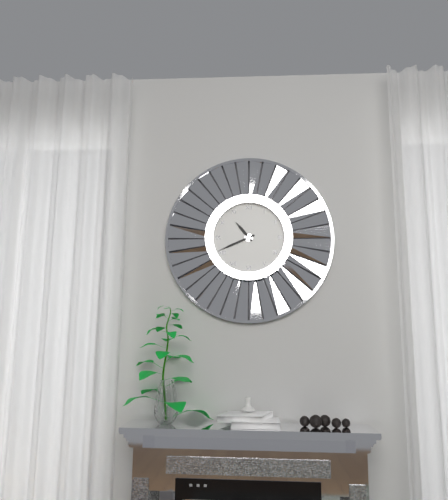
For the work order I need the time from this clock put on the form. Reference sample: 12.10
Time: 10.41
